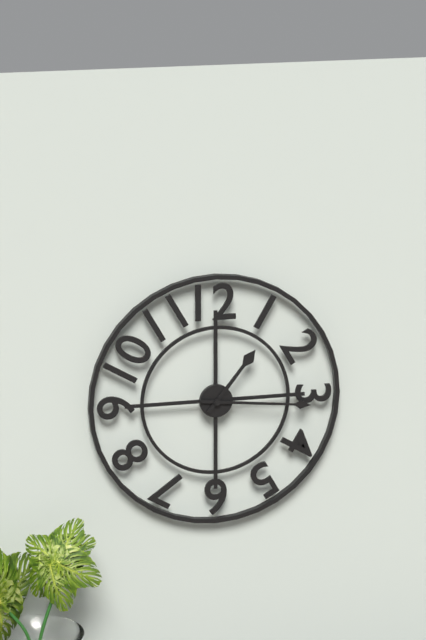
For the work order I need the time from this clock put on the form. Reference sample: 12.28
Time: 1.16
